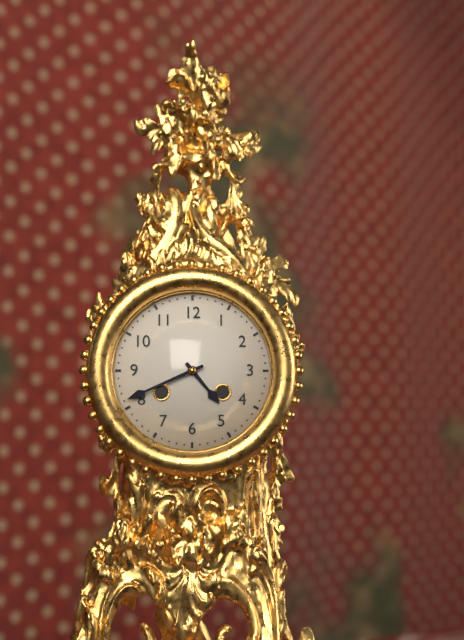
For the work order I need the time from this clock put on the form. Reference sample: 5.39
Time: 4.41
